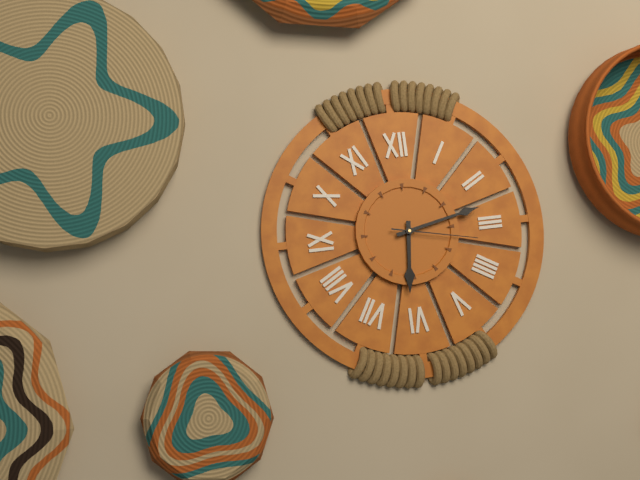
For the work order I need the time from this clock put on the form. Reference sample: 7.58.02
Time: 6.13.17
